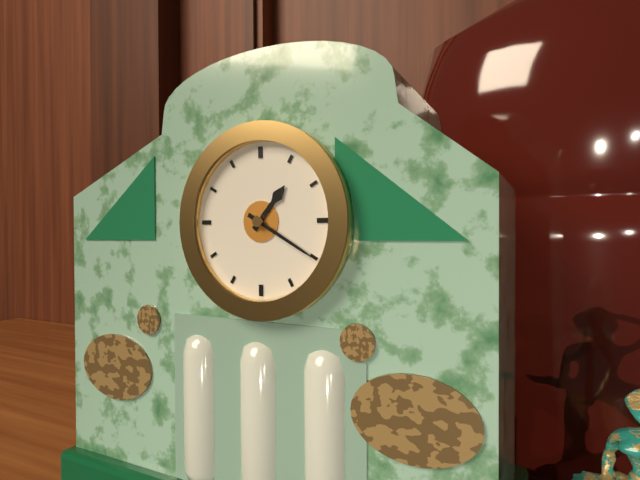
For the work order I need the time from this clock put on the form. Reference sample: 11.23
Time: 1.20
